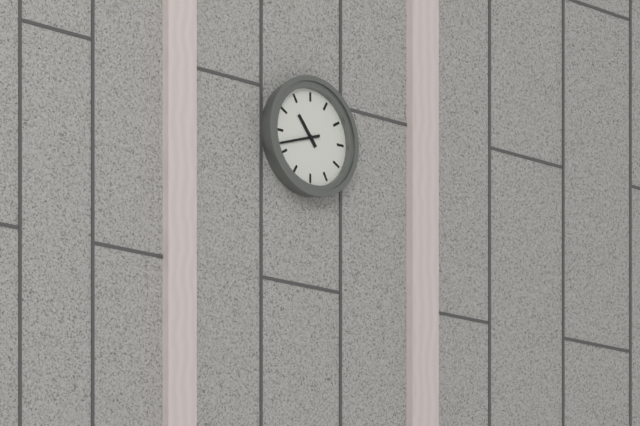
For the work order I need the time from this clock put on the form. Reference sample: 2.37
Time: 10.42
